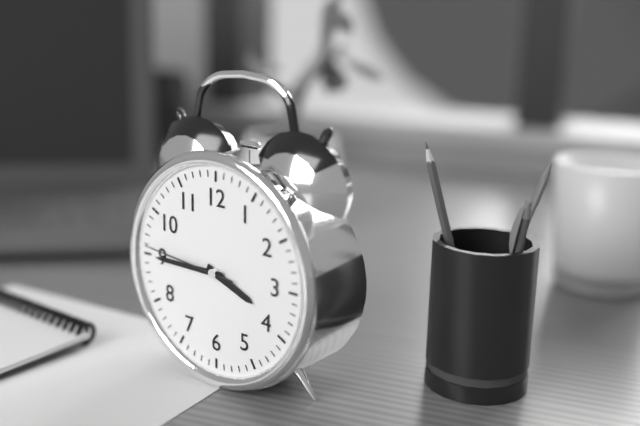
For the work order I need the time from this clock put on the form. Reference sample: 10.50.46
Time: 3.45.46
